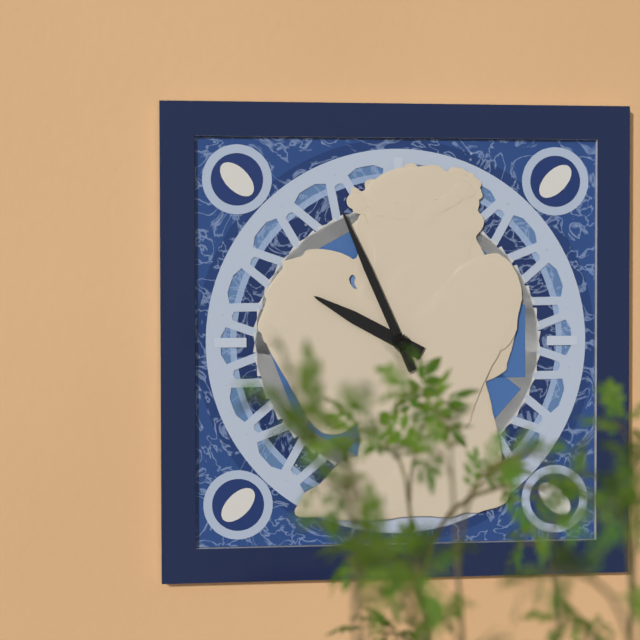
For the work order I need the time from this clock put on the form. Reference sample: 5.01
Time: 9.56
